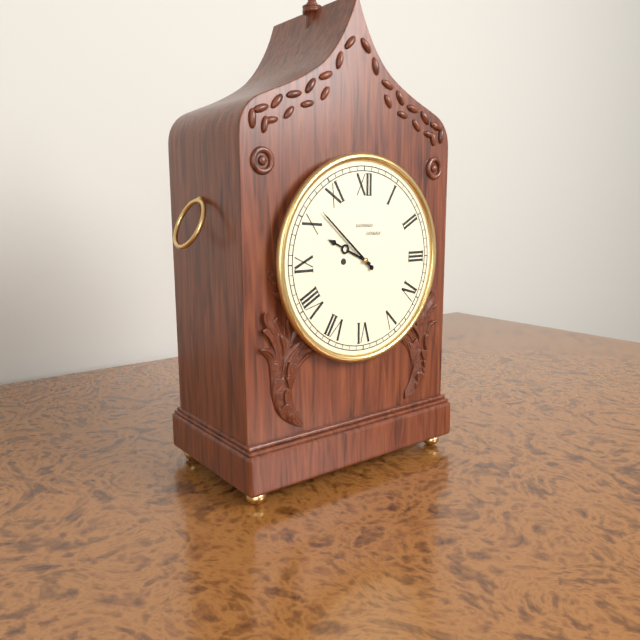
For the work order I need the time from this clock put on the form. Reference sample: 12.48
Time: 9.52
